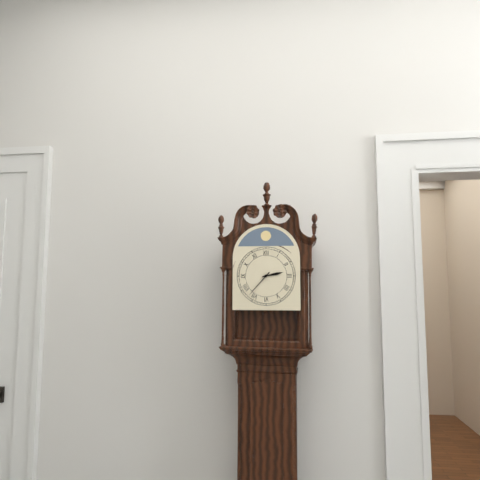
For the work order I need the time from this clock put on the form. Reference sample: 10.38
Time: 2.37
